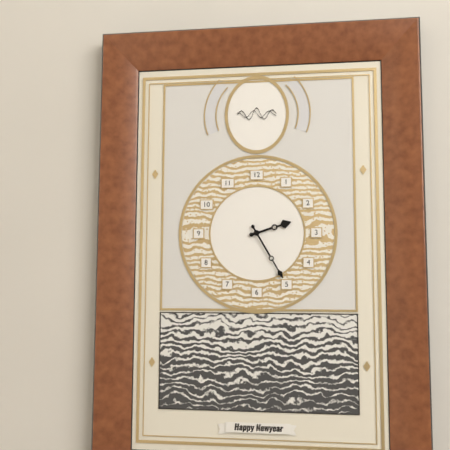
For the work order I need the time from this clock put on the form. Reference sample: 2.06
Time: 2.25
